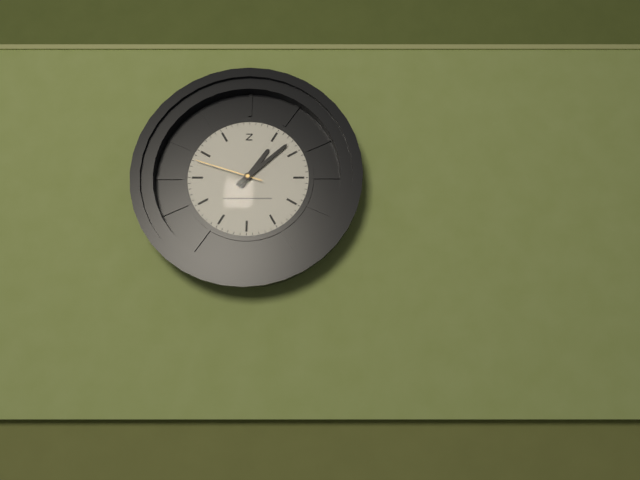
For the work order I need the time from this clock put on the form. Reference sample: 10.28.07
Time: 1.08.48
